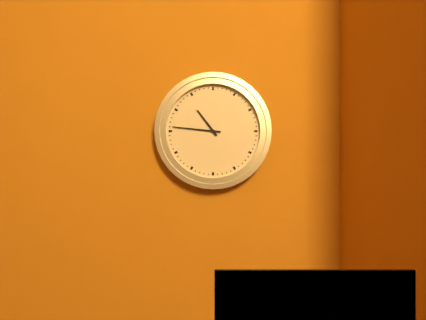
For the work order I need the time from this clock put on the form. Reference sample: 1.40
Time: 10.46
